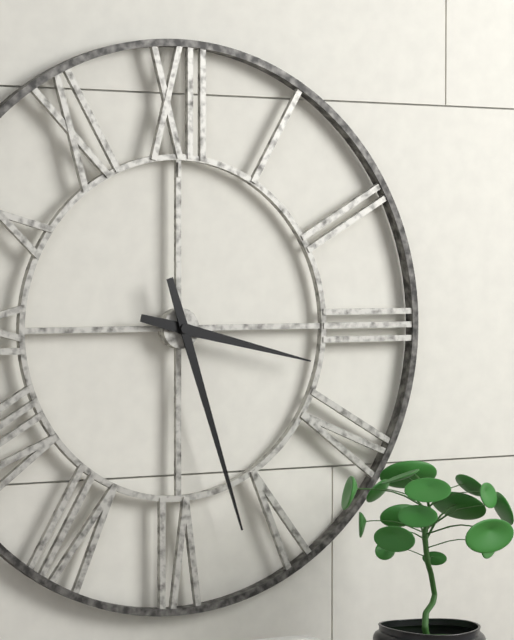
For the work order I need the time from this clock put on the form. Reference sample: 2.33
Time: 3.27
